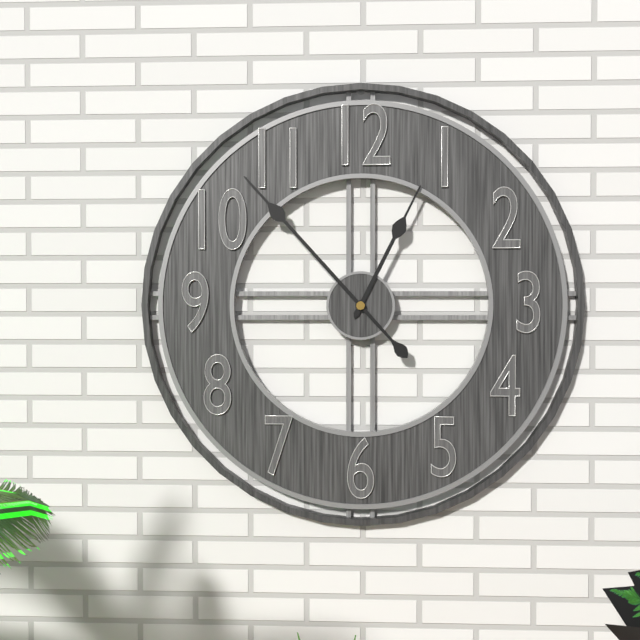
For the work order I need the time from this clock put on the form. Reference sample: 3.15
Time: 12.53
